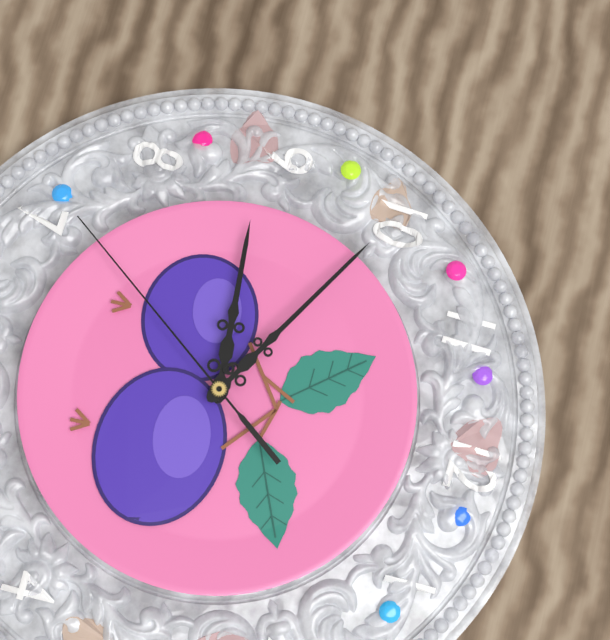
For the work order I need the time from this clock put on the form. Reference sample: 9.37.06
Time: 8.50.36
